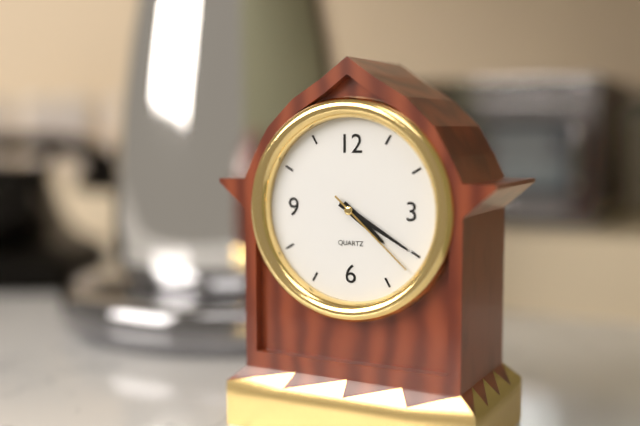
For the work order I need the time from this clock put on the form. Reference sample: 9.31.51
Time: 4.20.22
